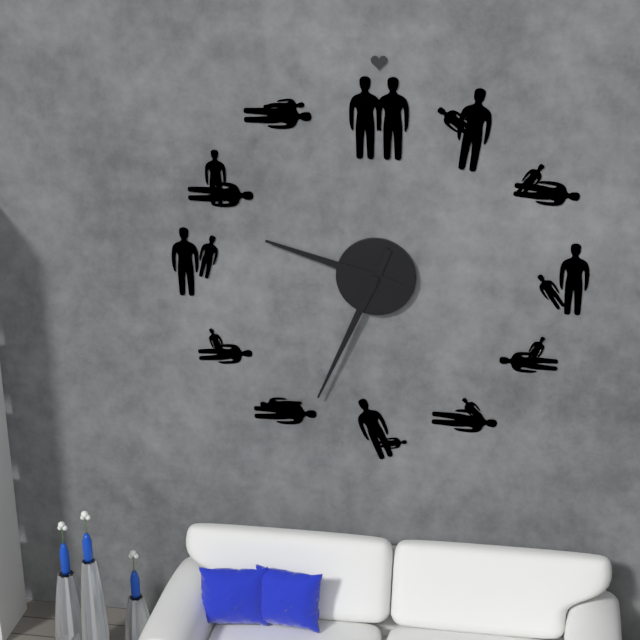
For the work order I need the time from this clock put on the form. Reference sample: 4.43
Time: 9.34
